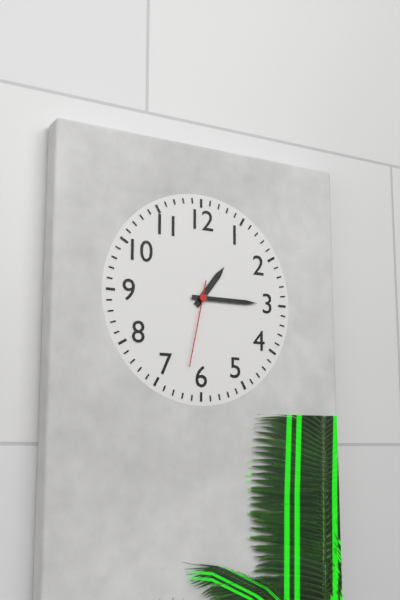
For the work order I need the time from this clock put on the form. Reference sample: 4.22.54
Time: 1.15.32
